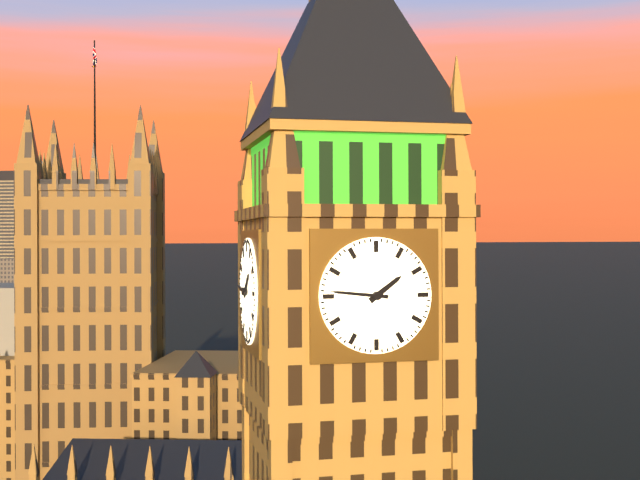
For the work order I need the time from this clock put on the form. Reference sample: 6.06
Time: 1.46
